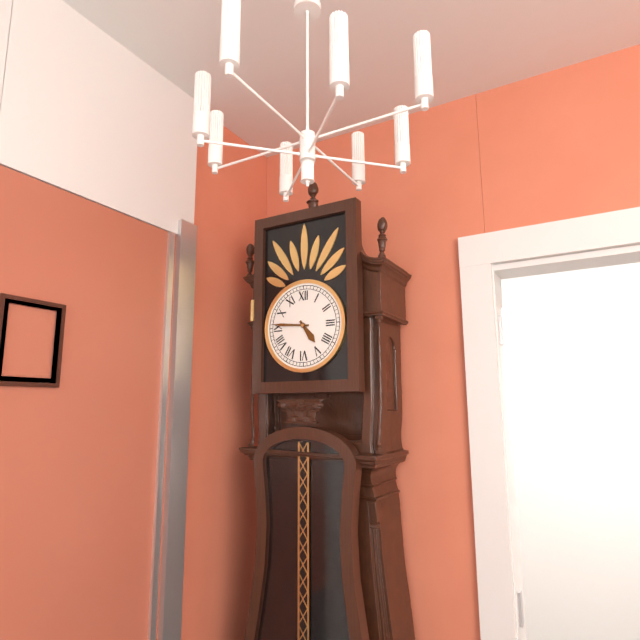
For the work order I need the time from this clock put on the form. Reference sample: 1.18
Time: 4.46
